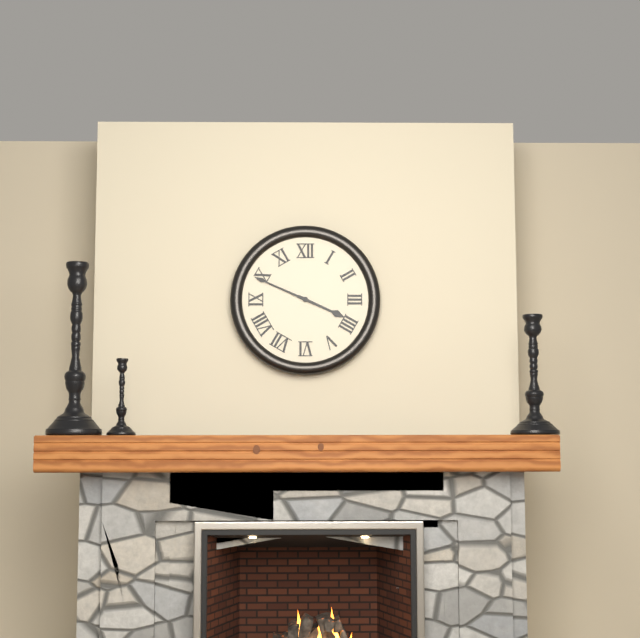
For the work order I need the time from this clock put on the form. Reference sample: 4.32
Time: 3.49
